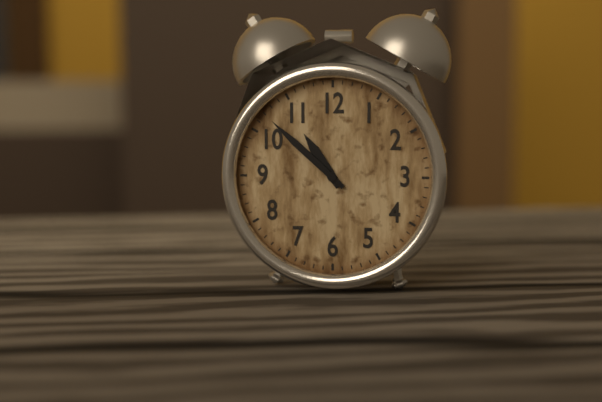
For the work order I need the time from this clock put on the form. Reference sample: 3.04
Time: 10.52
